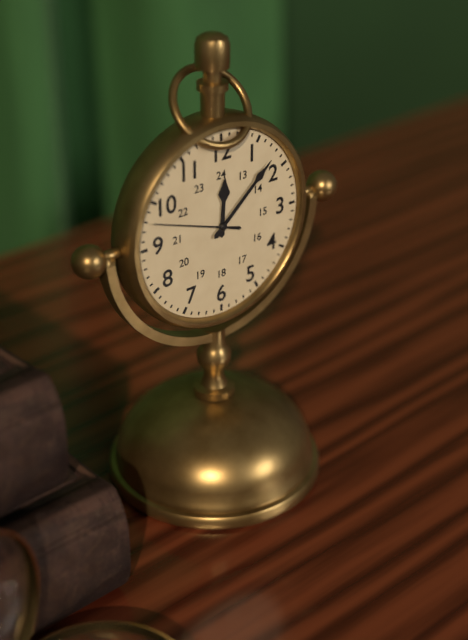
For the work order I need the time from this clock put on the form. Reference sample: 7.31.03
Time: 12.08.48
